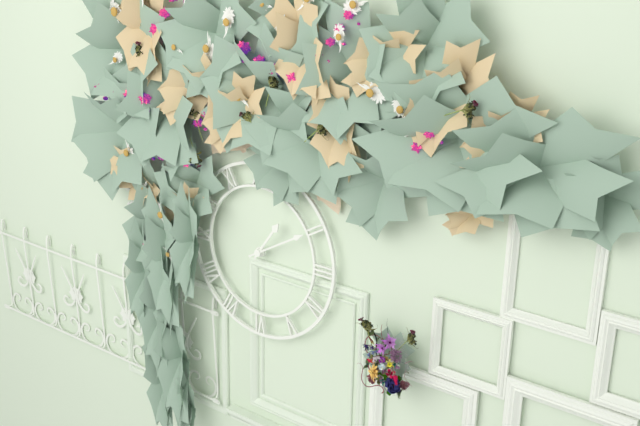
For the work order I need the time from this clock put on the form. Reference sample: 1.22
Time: 1.10
